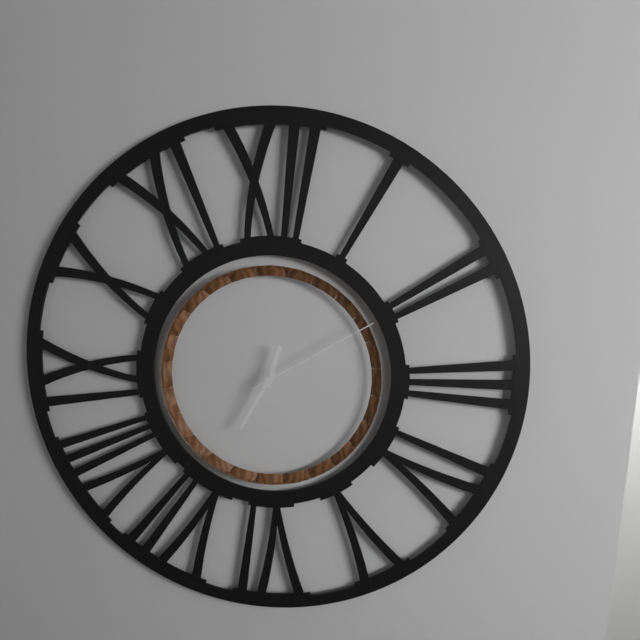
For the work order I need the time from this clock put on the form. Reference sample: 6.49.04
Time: 12.35.10
